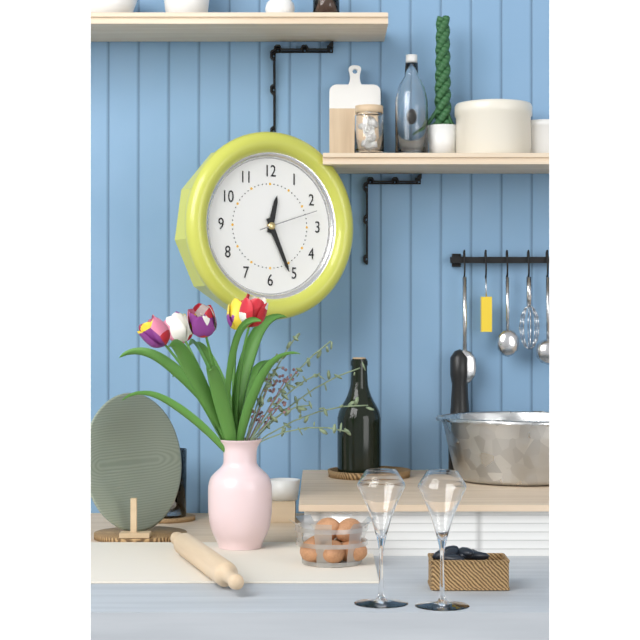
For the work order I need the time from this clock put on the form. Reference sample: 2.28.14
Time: 12.26.12
